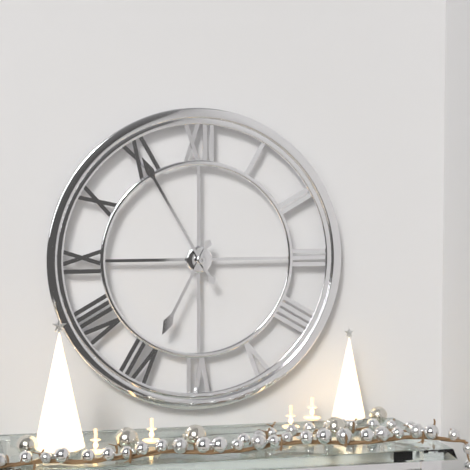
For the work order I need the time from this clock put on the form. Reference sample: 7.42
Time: 6.55
